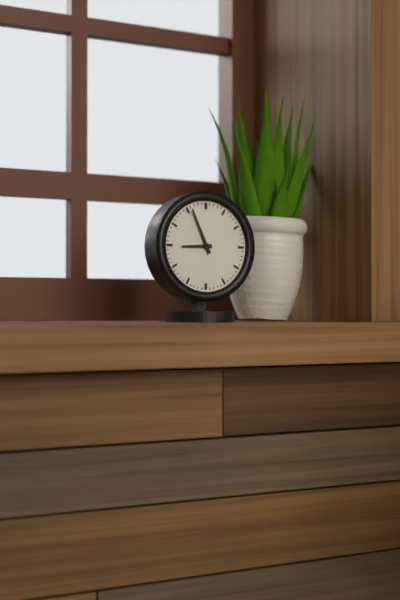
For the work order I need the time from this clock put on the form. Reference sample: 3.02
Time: 8.56
